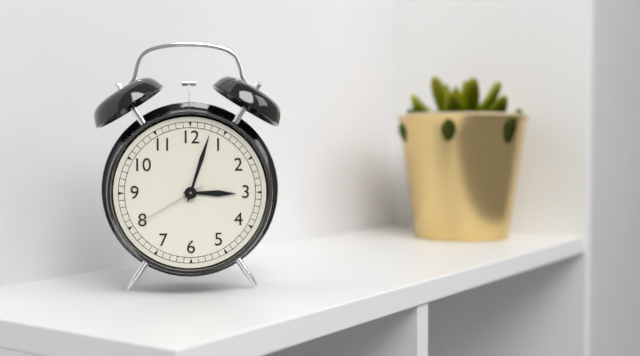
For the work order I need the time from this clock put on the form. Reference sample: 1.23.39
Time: 3.03.40
